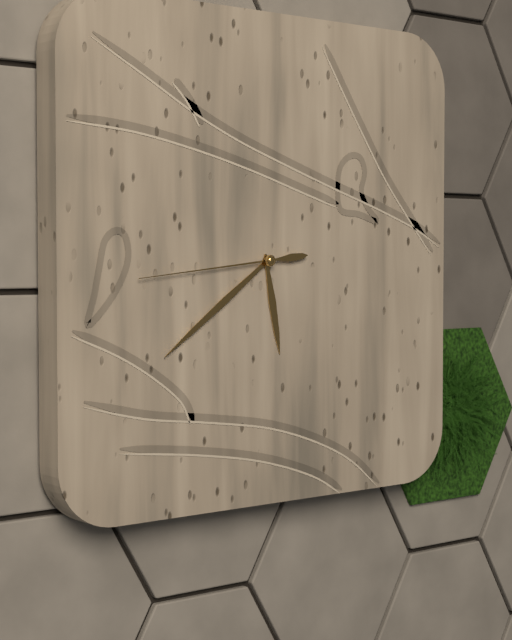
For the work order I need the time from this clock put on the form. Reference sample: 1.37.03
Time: 5.39.44
